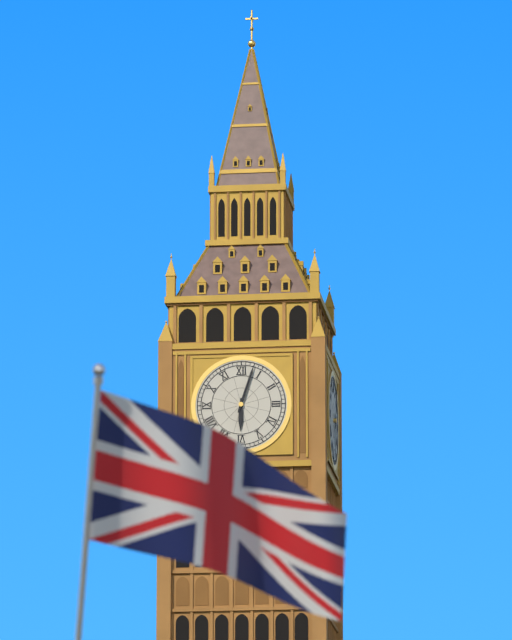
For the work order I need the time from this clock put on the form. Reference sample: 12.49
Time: 6.03
